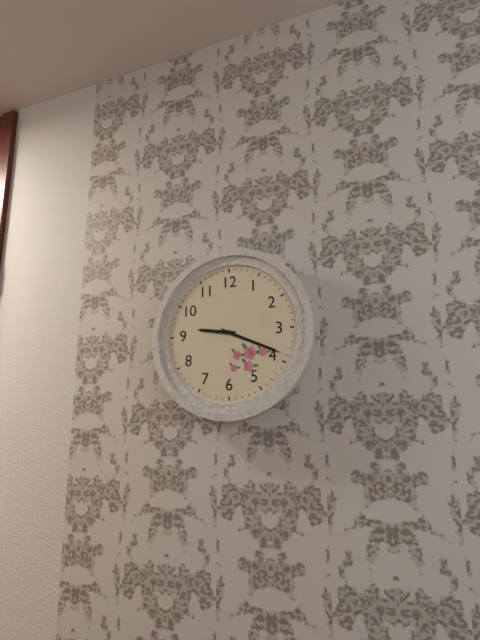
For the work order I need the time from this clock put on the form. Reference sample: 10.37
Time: 9.19
